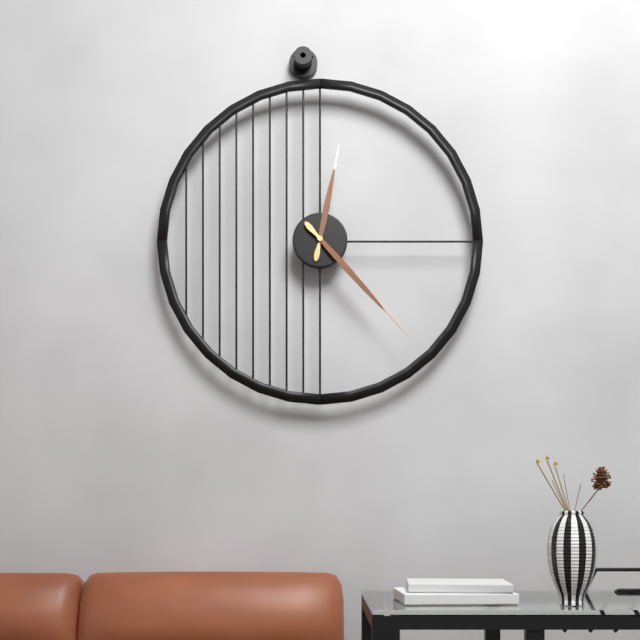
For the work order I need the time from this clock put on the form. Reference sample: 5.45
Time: 12.23
